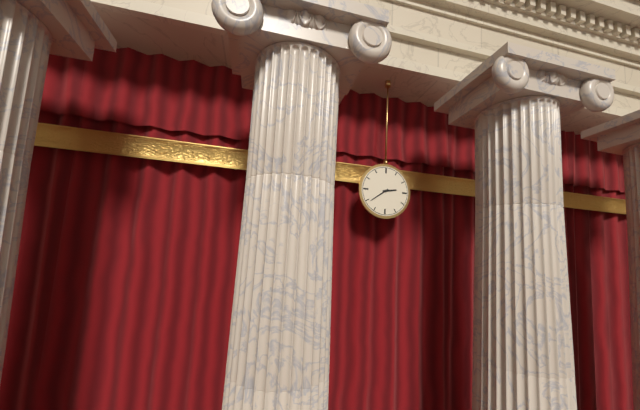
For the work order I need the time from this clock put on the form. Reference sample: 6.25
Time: 2.39
